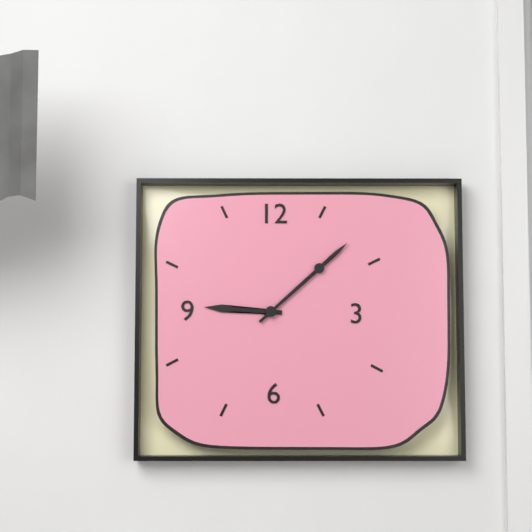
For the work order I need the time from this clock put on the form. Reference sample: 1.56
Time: 9.08
